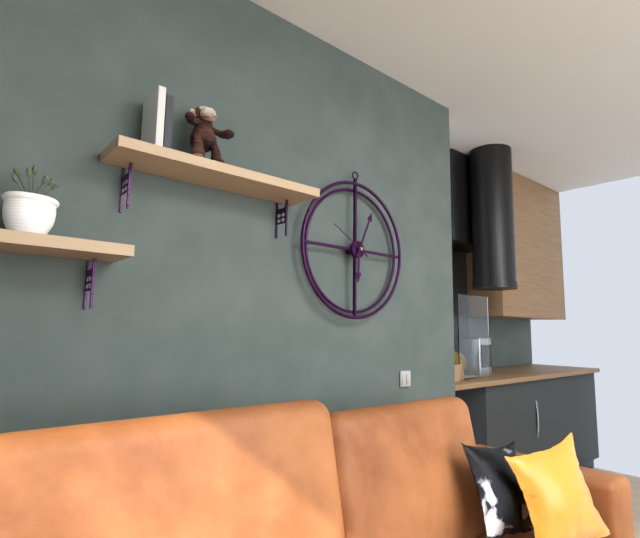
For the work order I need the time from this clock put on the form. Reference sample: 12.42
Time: 6.04
